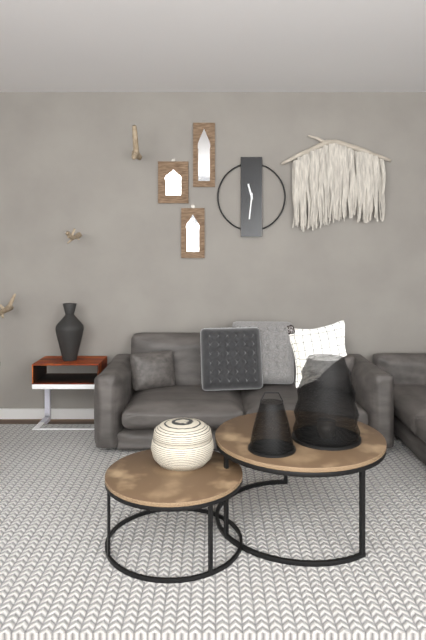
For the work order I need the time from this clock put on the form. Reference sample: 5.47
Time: 11.31
